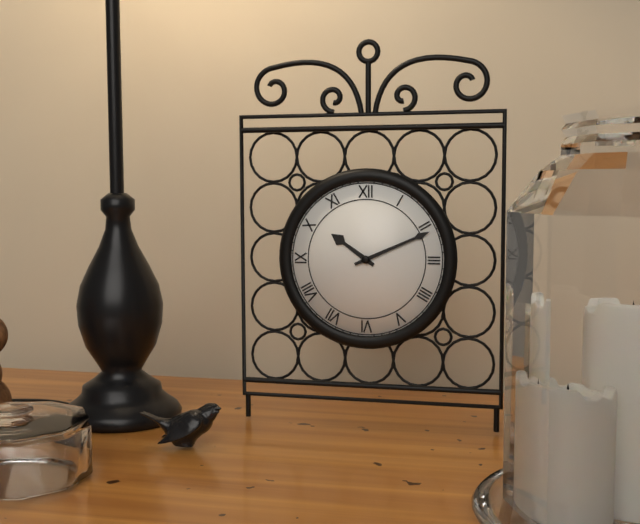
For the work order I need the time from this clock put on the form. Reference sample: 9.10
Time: 10.11
